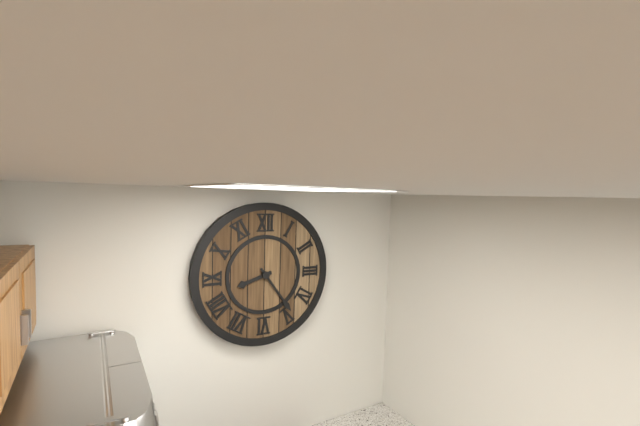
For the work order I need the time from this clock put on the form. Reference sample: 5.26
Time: 8.24
